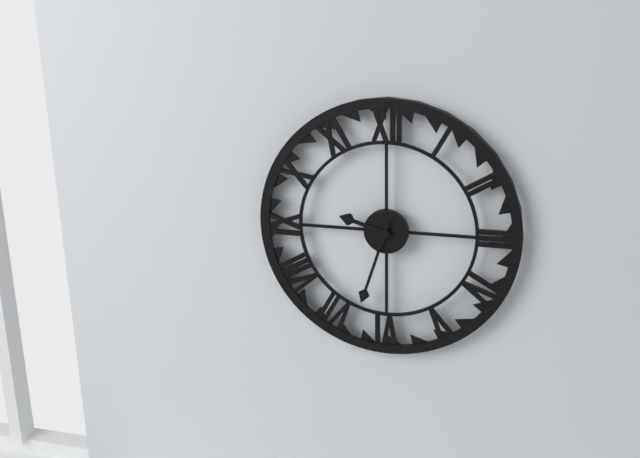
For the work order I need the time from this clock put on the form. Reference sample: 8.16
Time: 9.33
